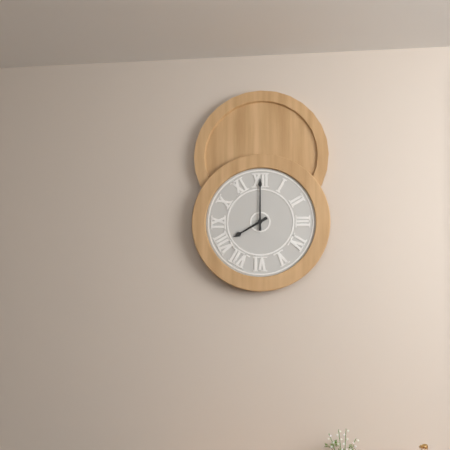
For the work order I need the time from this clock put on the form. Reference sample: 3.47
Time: 8.00
